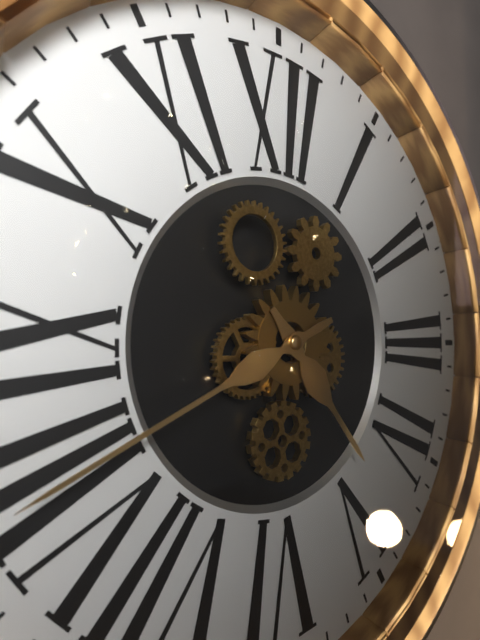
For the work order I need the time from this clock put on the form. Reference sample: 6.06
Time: 4.41
